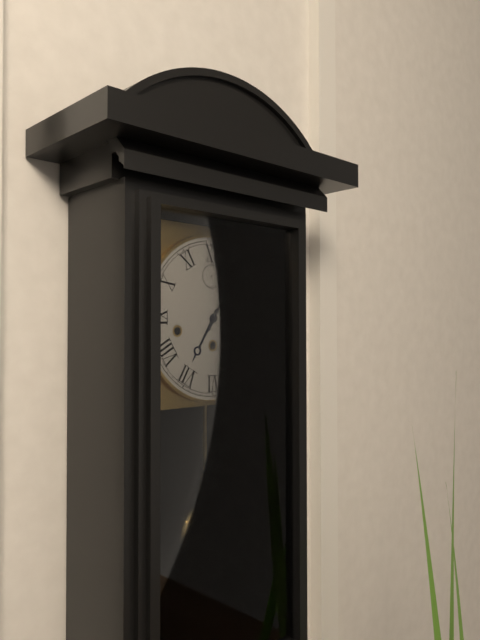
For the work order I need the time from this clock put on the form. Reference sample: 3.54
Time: 7.05
